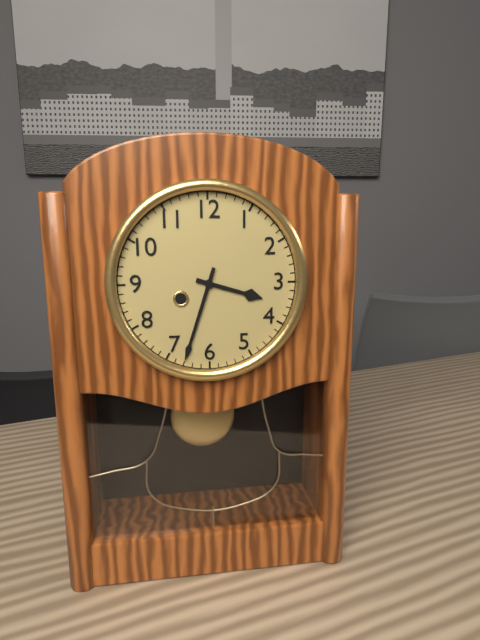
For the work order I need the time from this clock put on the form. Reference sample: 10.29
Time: 3.33
